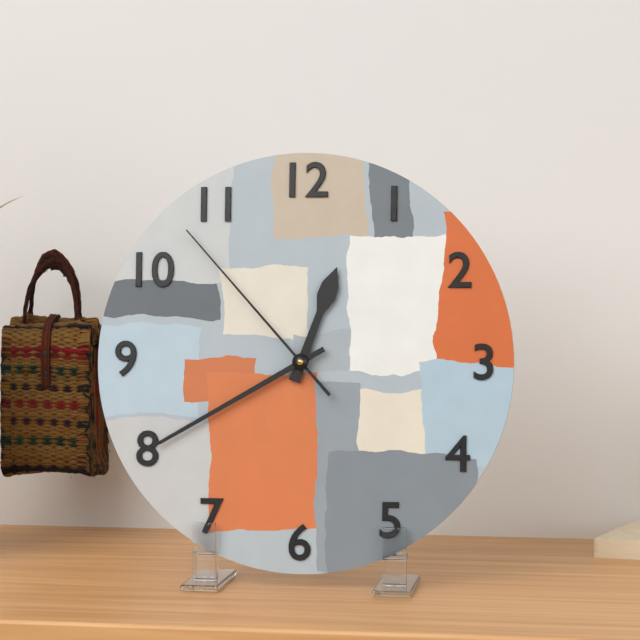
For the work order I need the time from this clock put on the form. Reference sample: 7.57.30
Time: 12.40.53
